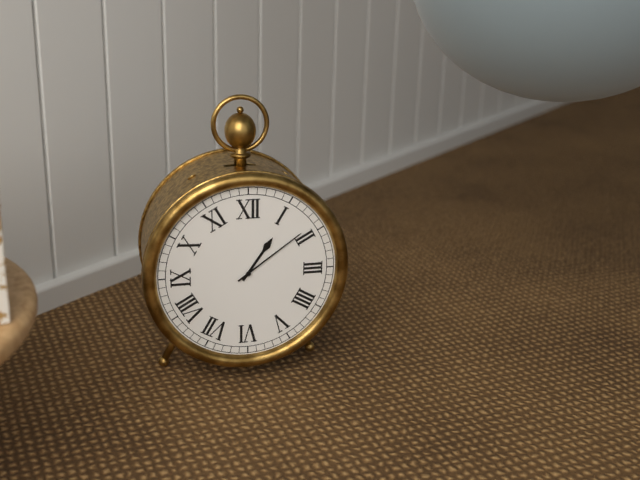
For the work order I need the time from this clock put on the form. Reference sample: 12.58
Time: 1.09
